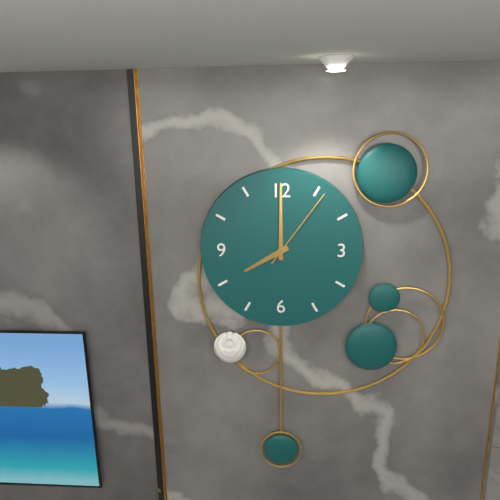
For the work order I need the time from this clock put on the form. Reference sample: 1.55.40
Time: 8.00.06
